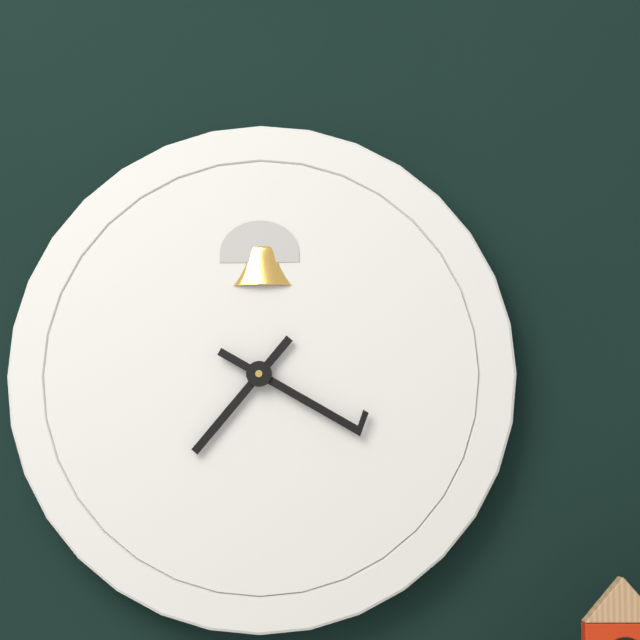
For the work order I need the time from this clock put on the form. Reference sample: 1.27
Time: 7.20
